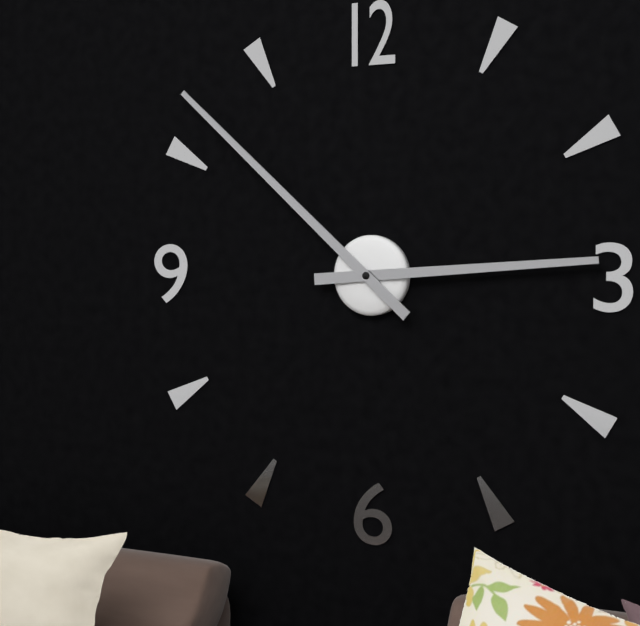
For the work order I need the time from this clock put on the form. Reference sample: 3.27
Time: 2.52
